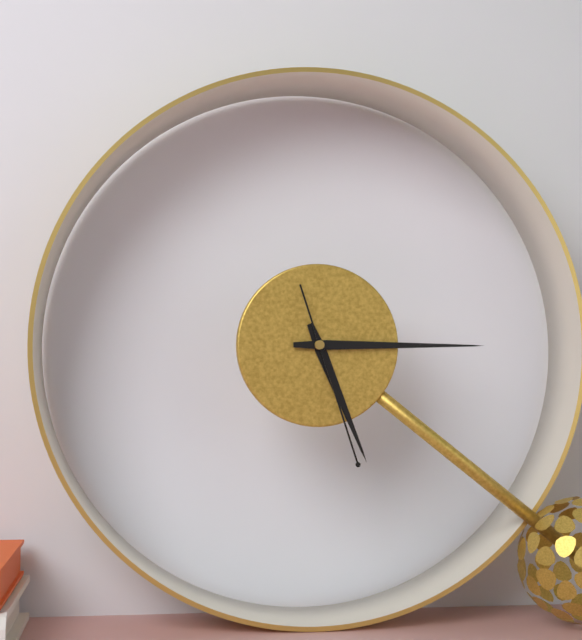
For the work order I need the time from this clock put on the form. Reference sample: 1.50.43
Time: 5.15.27
